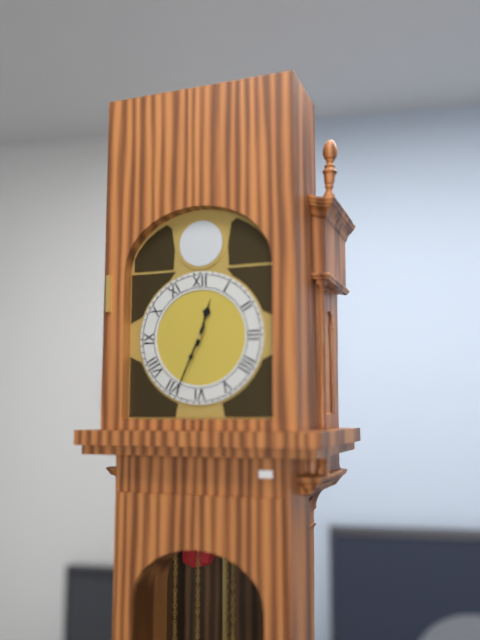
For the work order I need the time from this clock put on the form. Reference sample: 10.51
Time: 12.34
